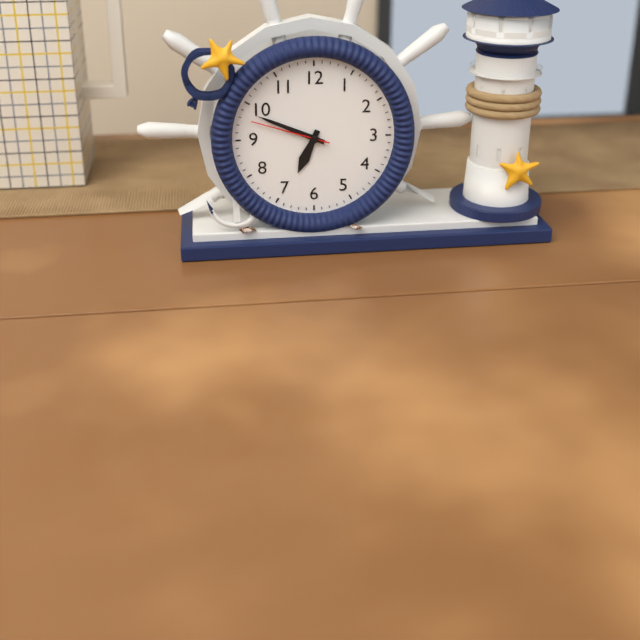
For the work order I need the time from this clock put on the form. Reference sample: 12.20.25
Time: 6.49.48
